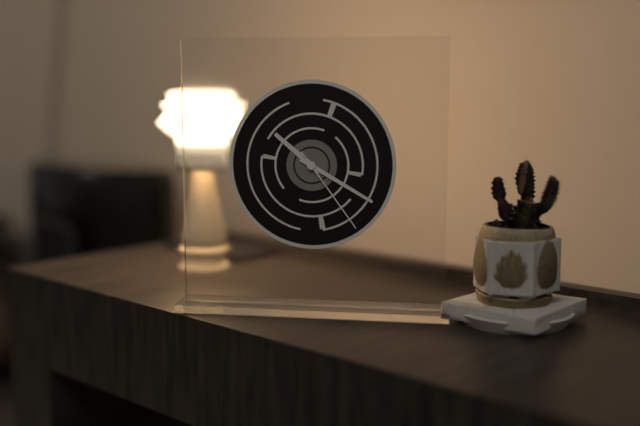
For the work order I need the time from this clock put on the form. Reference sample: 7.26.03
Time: 10.20.24
